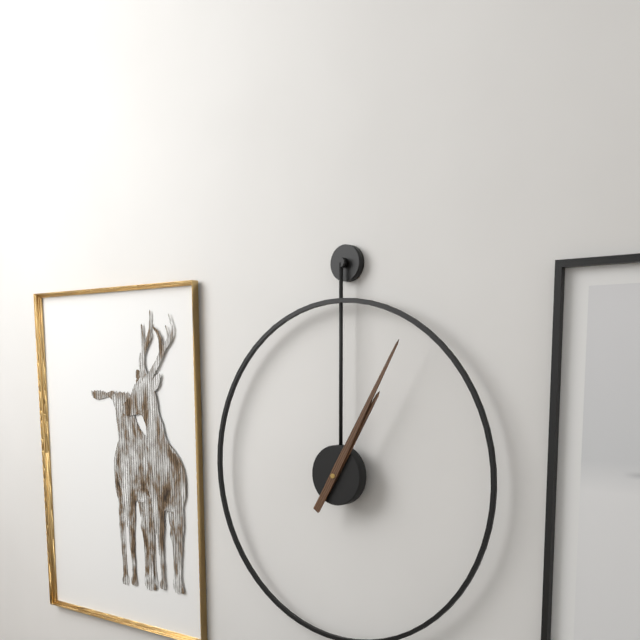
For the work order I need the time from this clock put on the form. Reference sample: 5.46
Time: 1.05
